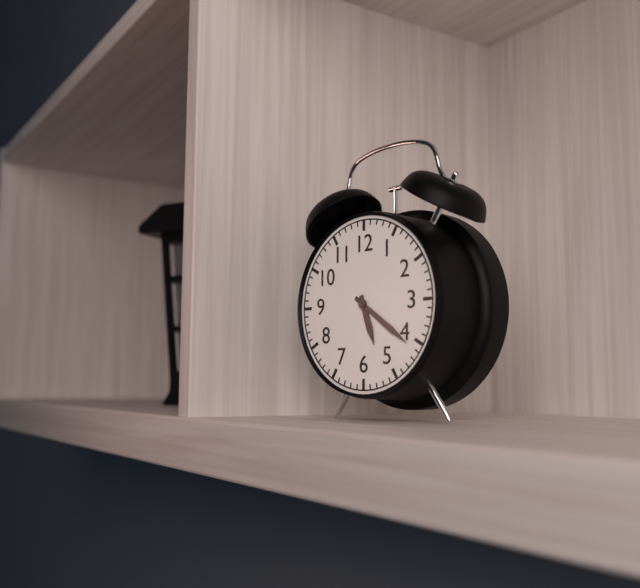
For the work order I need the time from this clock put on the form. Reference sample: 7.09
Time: 5.21
